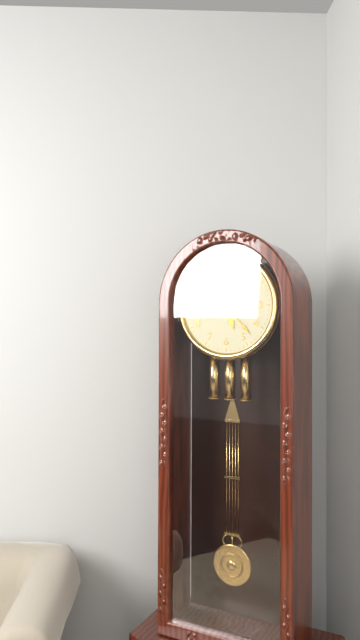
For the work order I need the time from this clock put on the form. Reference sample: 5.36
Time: 5.23
